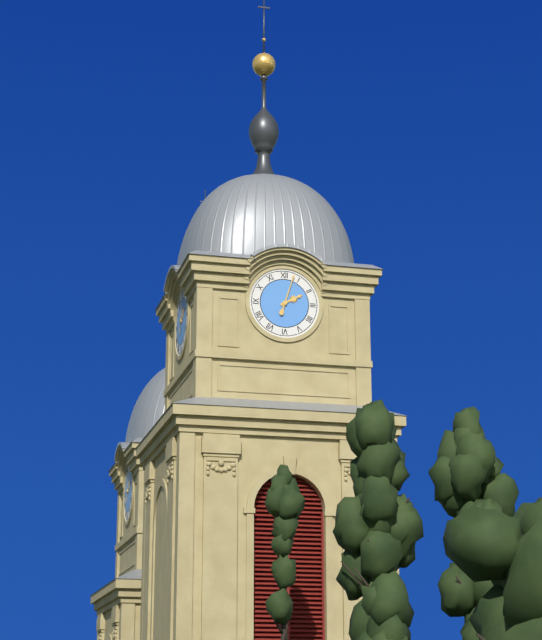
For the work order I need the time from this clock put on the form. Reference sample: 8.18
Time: 2.03
